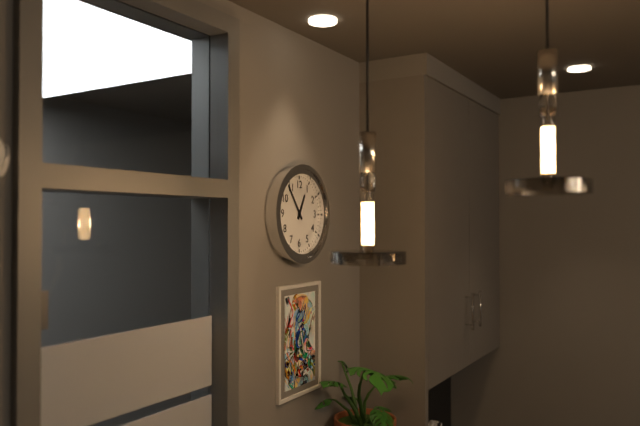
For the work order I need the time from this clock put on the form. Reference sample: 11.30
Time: 12.54
